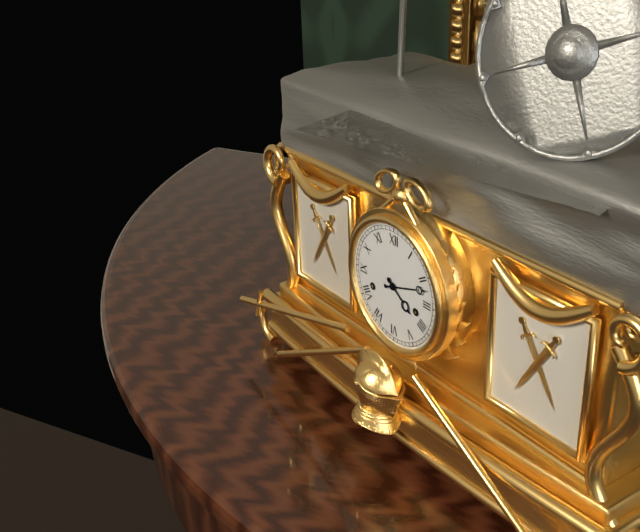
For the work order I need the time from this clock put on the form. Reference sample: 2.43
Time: 4.12
